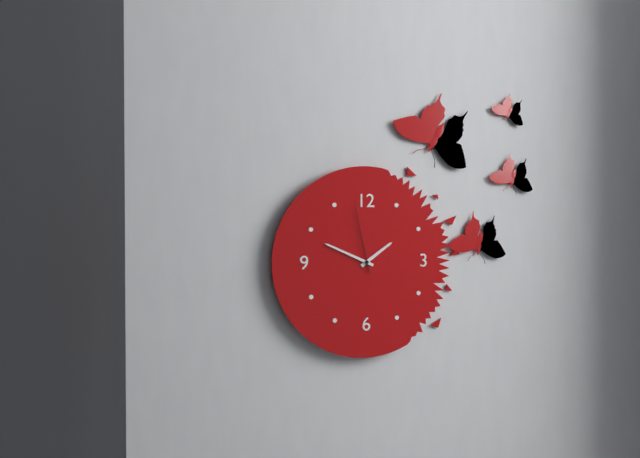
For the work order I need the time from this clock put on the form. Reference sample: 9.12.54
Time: 1.49.58
